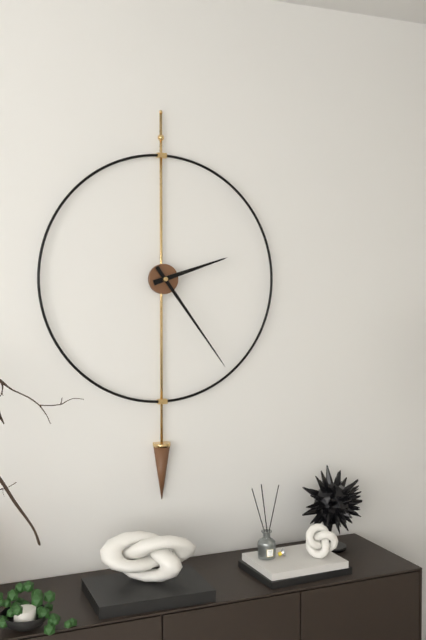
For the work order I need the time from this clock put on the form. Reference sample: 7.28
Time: 2.24
